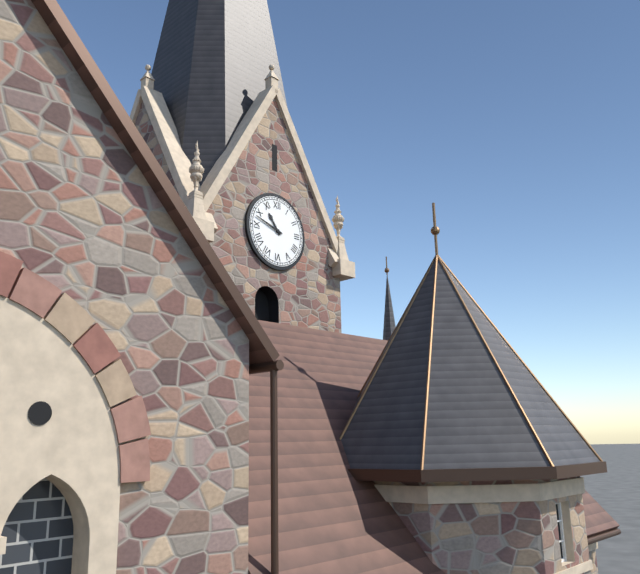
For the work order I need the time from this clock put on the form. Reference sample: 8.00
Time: 10.48
